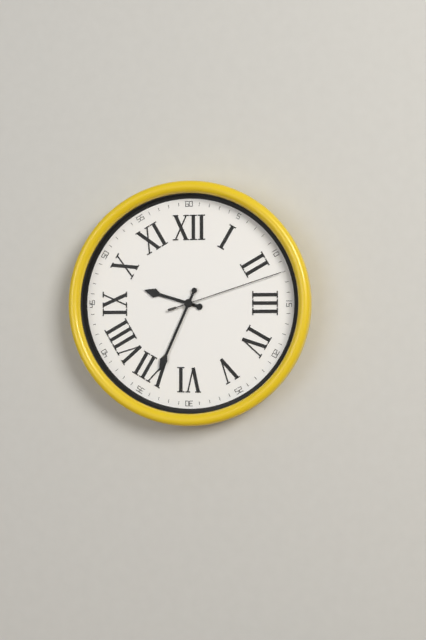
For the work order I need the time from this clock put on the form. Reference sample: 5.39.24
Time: 9.34.12
